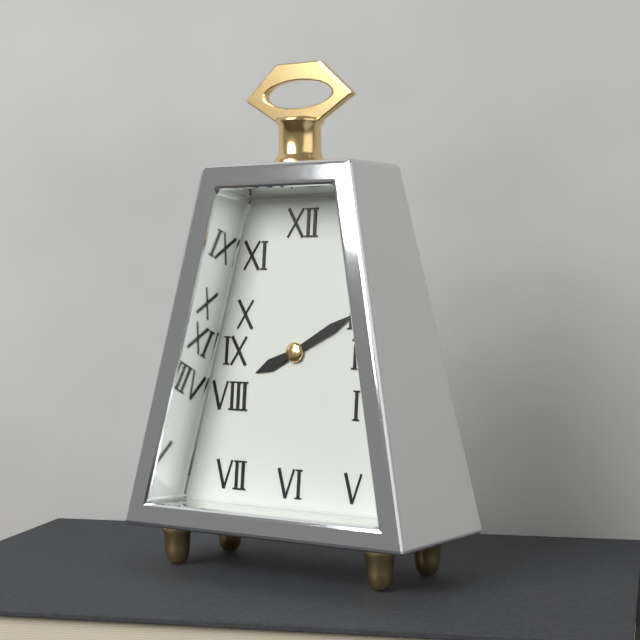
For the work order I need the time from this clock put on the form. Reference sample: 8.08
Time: 8.10
